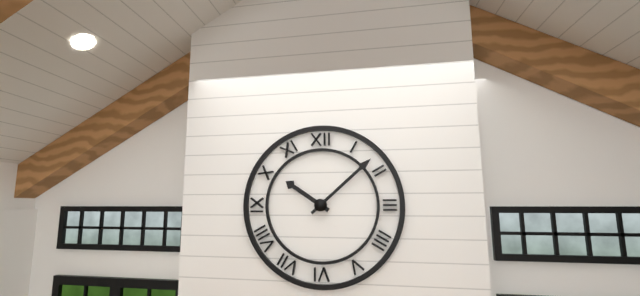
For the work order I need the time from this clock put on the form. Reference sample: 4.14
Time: 10.08
